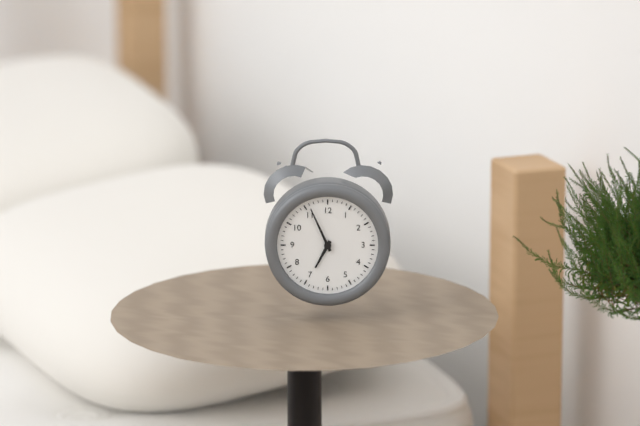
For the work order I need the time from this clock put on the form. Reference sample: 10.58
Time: 6.56
